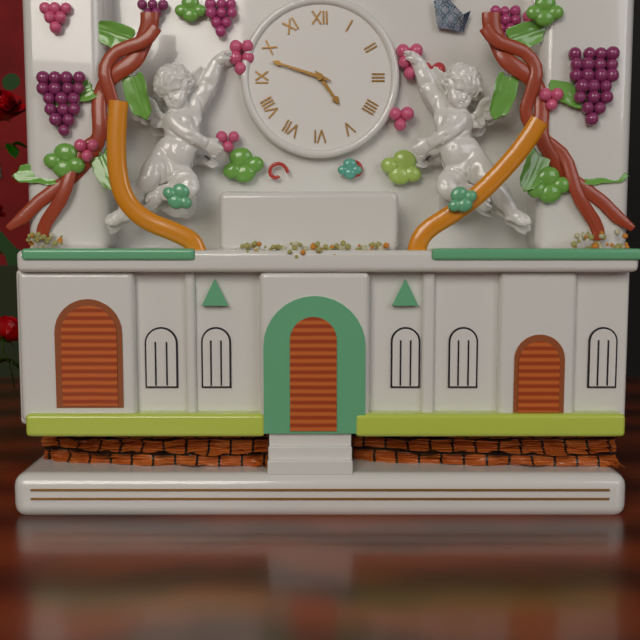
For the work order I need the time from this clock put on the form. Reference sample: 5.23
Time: 4.48
